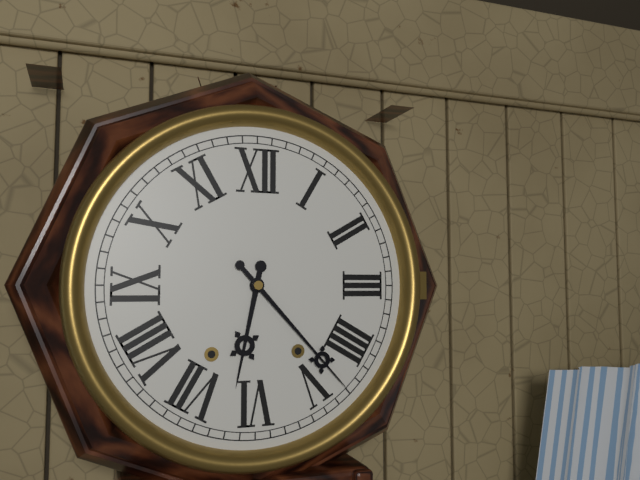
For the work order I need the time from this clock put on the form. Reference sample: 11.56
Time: 6.23
